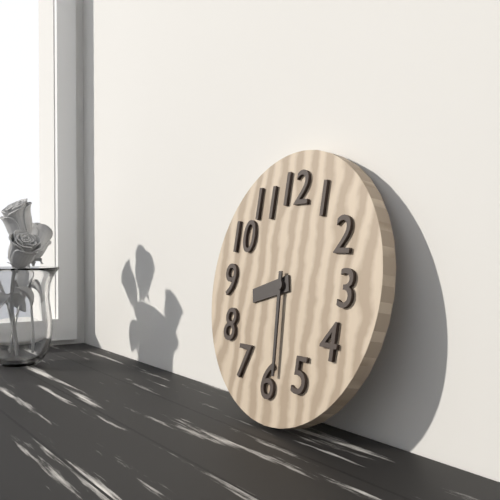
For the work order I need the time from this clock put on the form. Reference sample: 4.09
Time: 8.29
